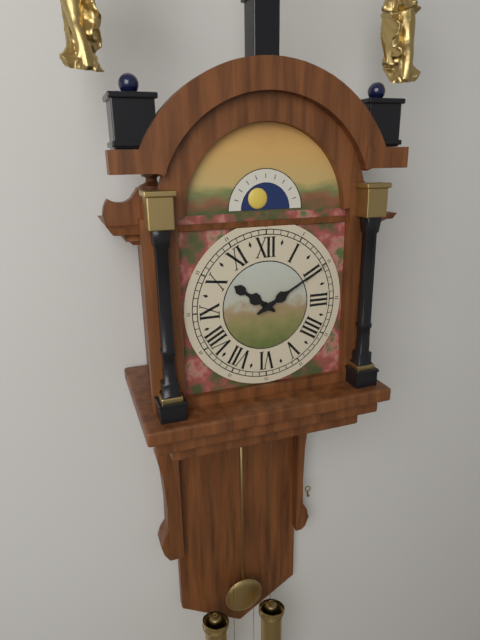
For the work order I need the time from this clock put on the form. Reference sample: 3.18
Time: 10.10
